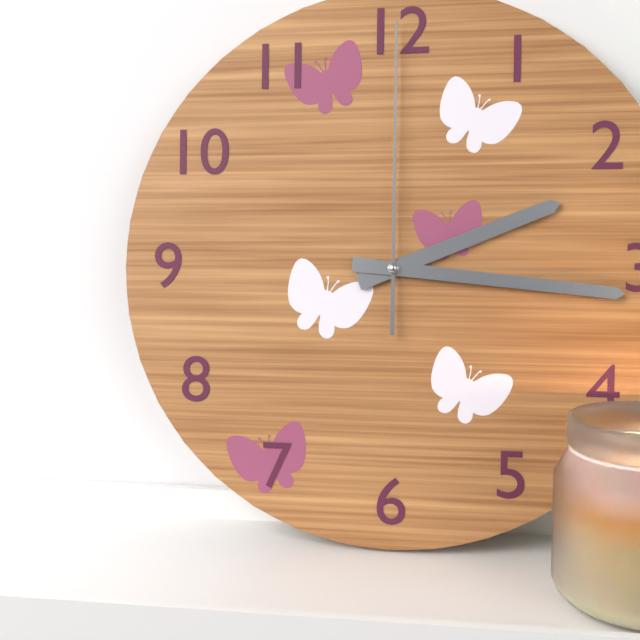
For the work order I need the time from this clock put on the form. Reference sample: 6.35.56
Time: 2.16.00
